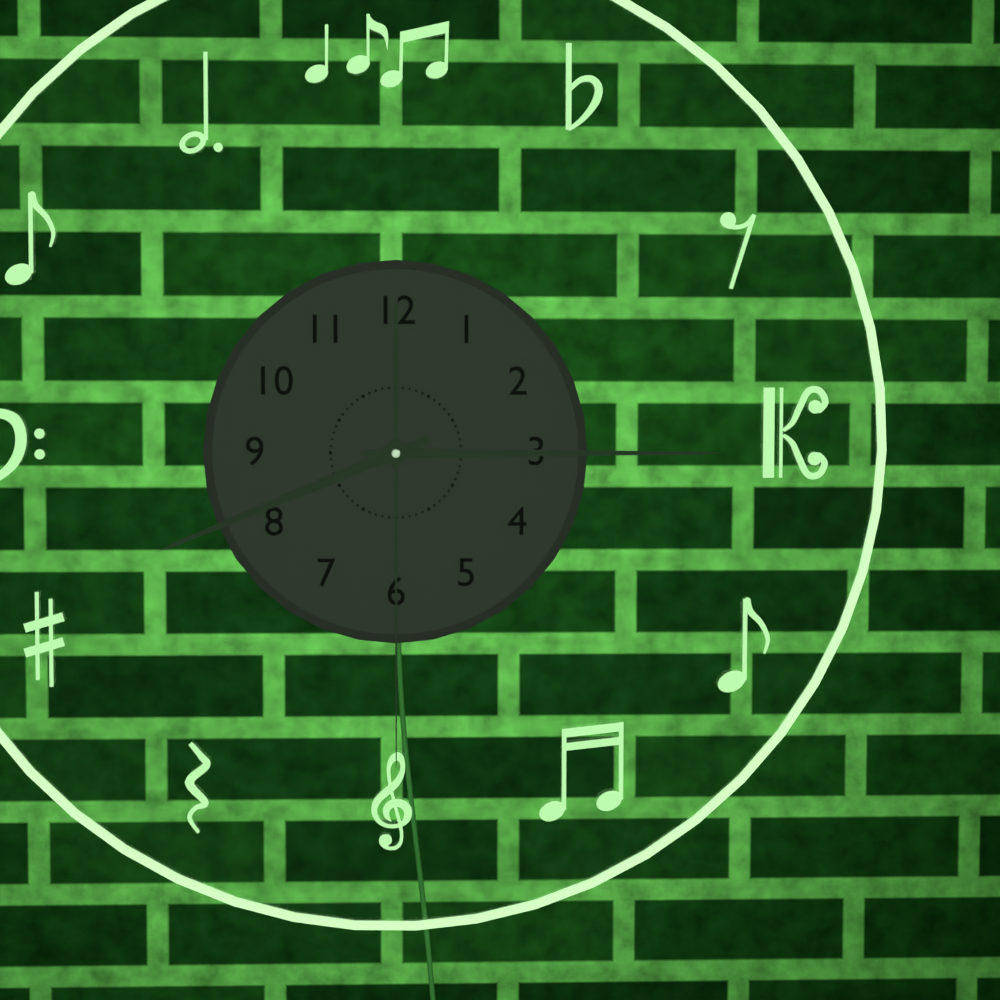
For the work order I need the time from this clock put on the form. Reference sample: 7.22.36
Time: 8.15.30
